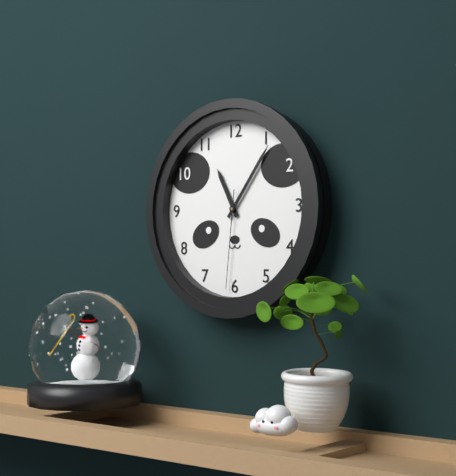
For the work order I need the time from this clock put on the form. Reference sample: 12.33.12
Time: 11.06.31
